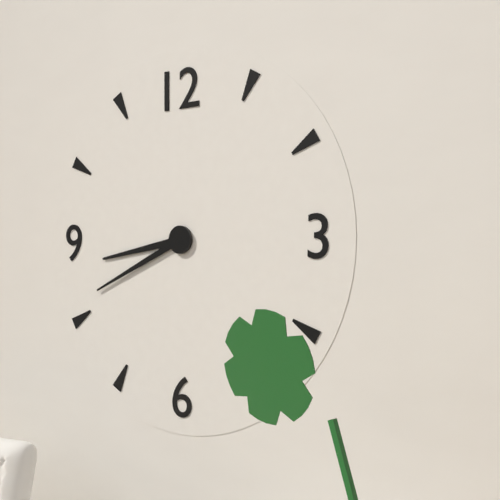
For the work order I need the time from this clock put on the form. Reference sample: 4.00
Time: 8.41
